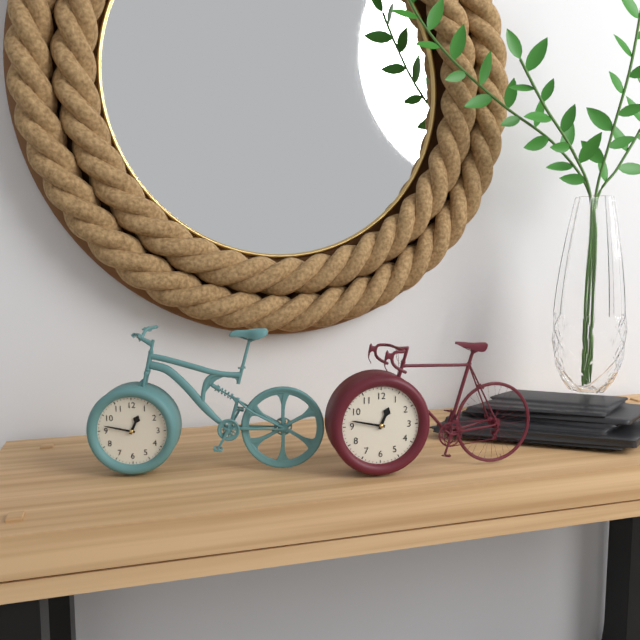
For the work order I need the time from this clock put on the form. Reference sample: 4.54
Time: 12.47
